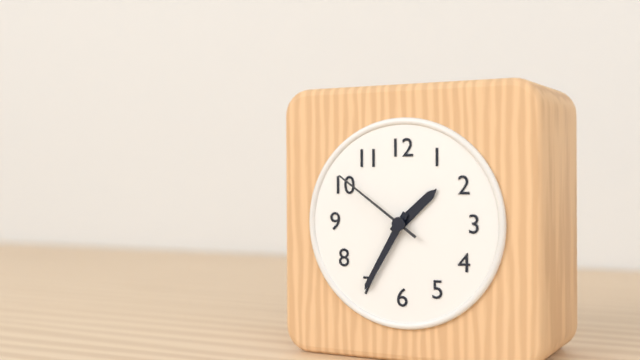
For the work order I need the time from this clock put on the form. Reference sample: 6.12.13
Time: 1.35.51
